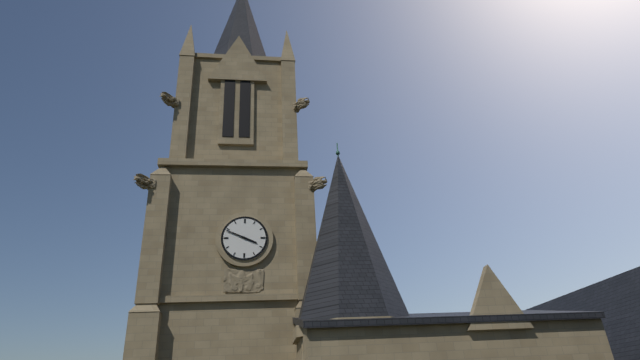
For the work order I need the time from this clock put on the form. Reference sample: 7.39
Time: 3.49
